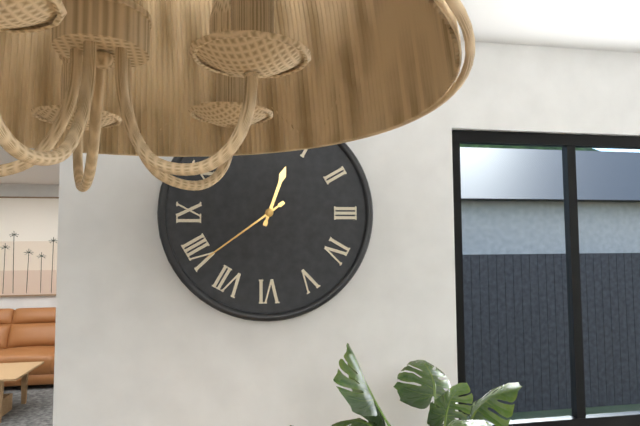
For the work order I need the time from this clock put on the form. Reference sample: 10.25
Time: 12.39
